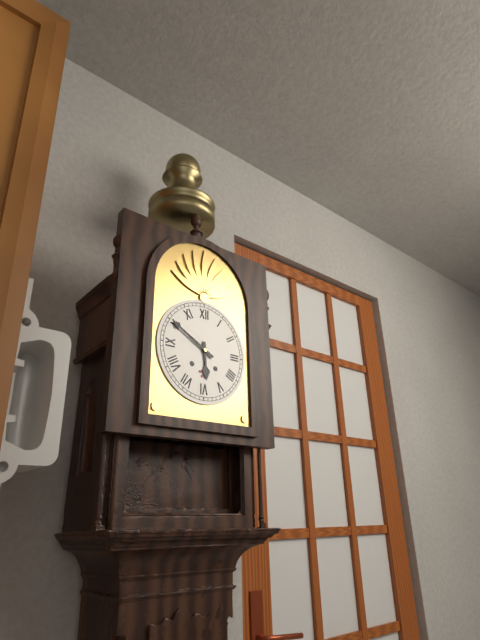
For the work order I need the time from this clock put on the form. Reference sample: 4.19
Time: 5.50
